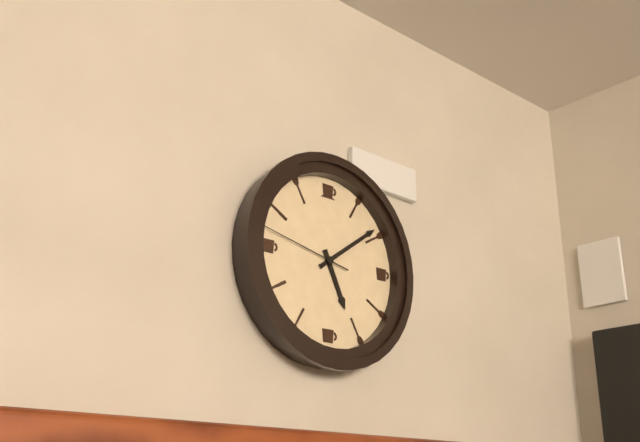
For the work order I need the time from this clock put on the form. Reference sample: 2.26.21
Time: 5.09.47
